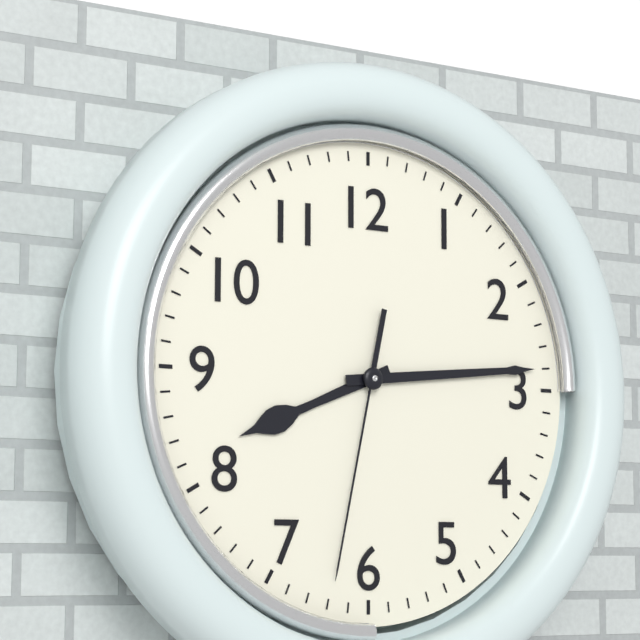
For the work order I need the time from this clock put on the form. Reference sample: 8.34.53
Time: 8.14.32
